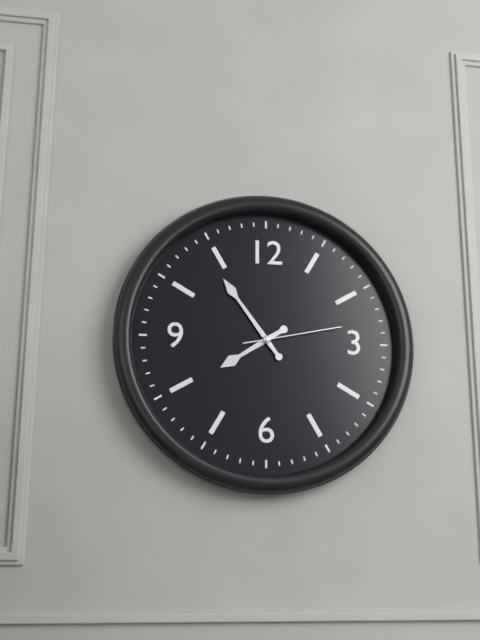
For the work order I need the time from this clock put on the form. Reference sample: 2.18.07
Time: 7.54.13
